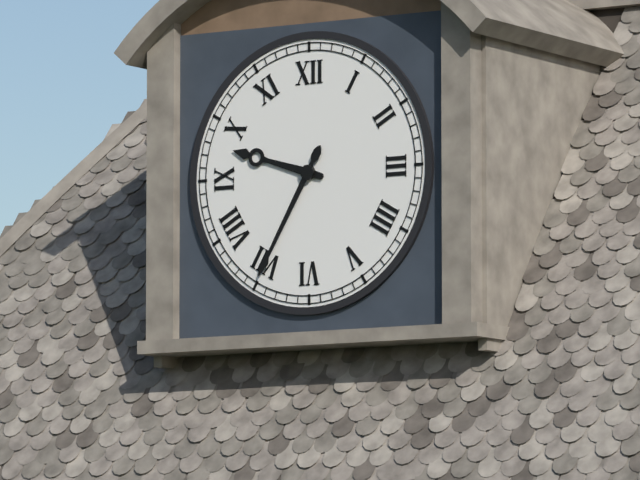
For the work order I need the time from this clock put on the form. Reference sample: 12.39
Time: 9.35
